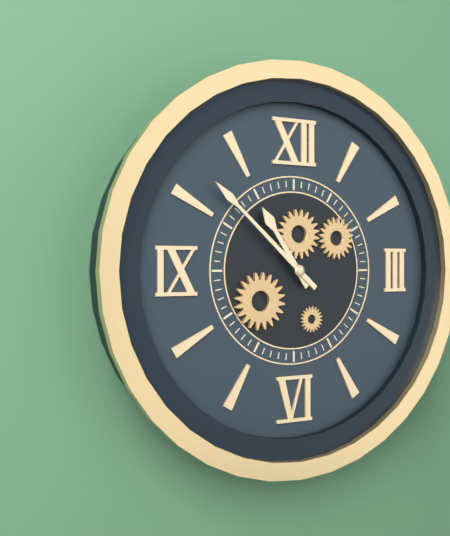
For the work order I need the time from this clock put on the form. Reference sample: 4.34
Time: 10.52
